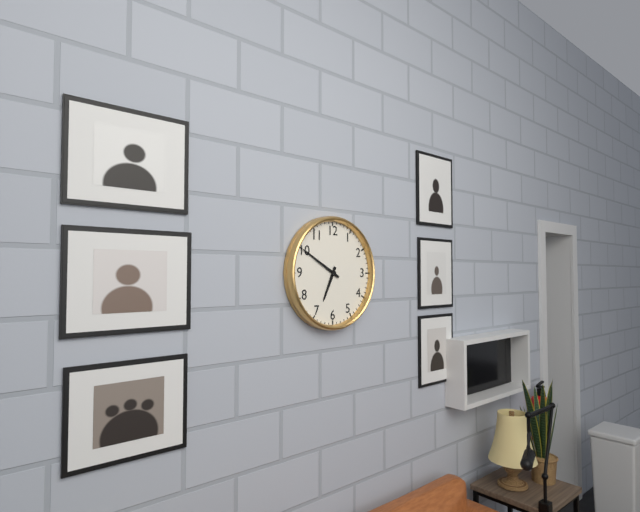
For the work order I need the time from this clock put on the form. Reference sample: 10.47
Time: 6.50
